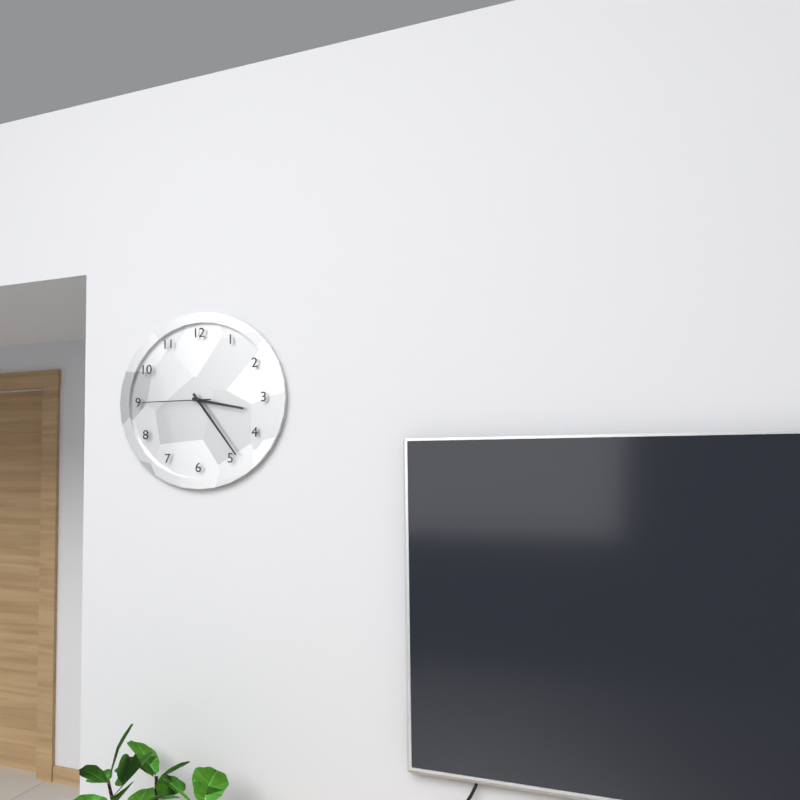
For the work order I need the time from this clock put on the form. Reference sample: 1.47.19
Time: 3.24.45
